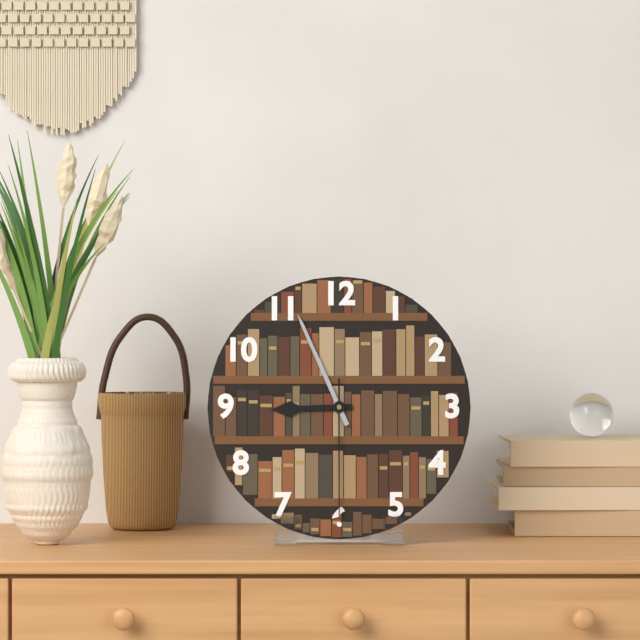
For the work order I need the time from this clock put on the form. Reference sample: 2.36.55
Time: 8.56.30
